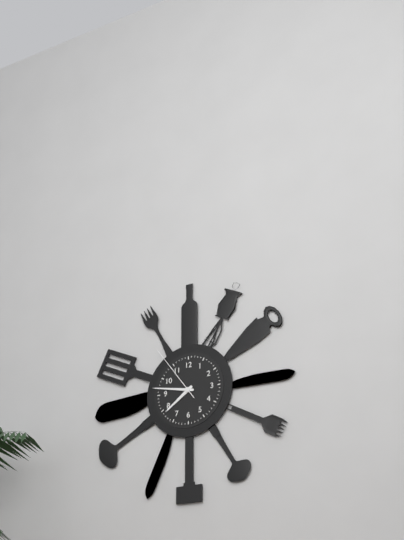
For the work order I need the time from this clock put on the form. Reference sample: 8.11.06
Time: 7.47.54
